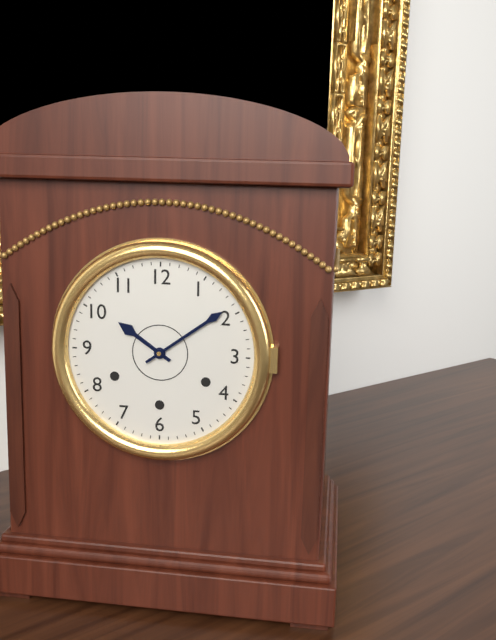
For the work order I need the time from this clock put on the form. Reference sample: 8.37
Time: 10.09
